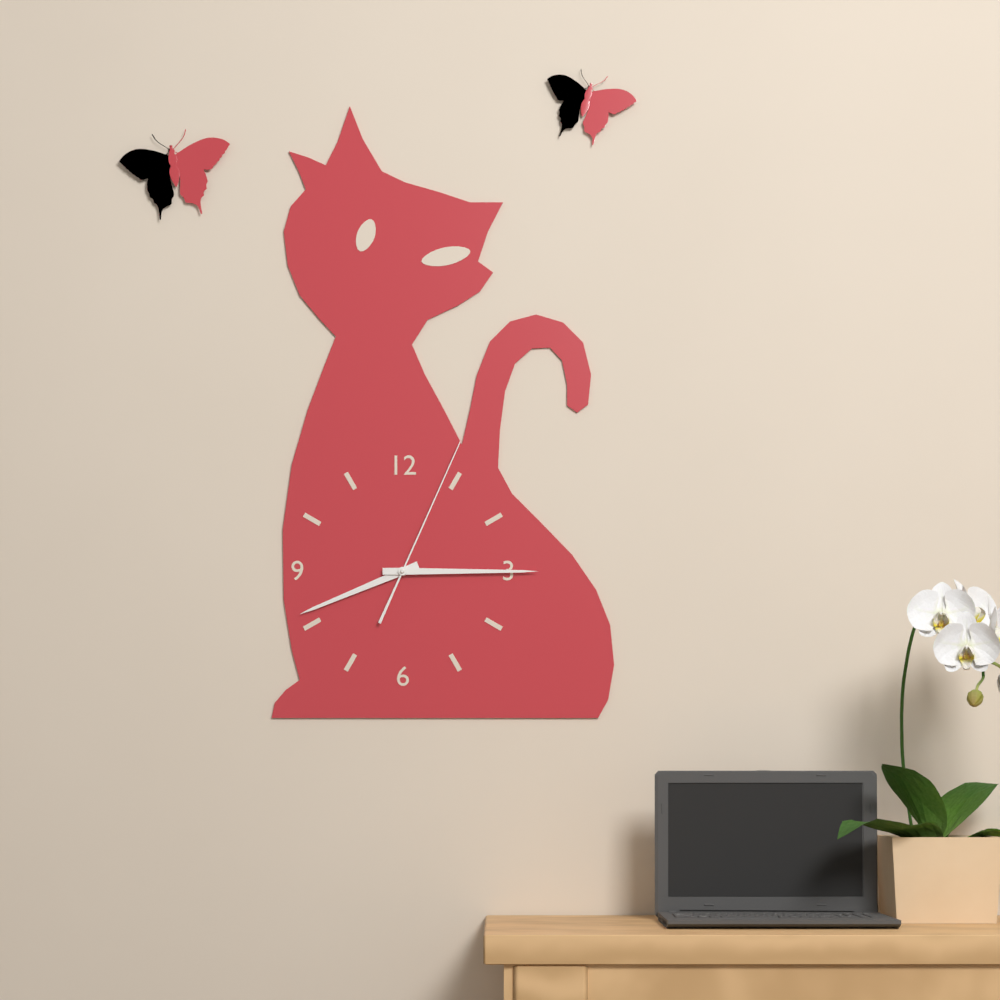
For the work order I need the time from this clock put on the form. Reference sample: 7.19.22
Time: 8.15.04
